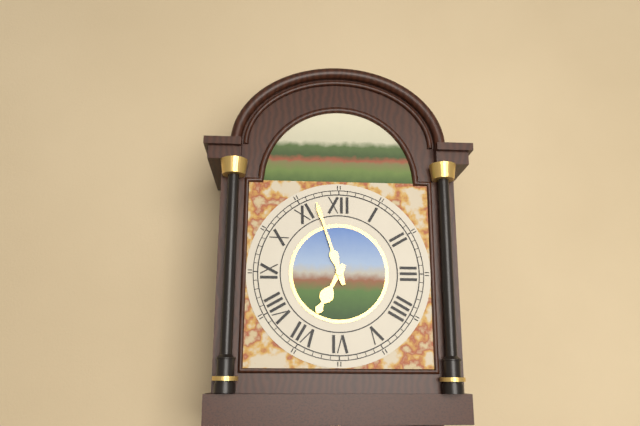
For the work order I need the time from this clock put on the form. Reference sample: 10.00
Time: 6.57
